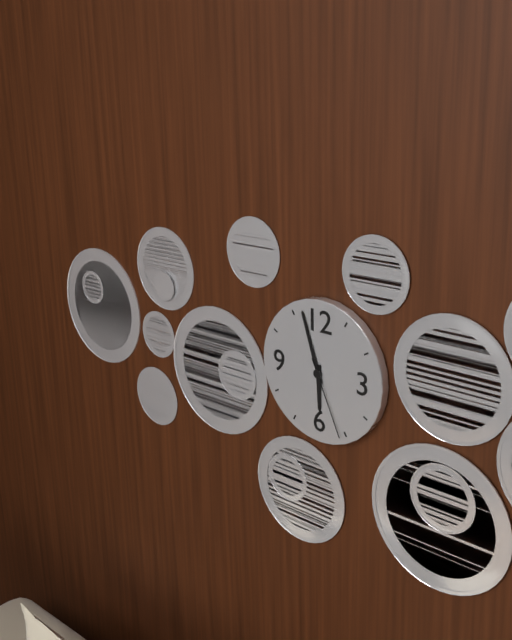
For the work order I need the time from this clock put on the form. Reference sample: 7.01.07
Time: 5.57.26
